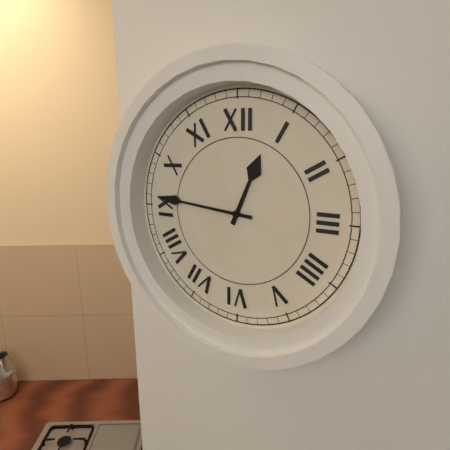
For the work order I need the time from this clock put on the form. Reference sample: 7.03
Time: 12.46
